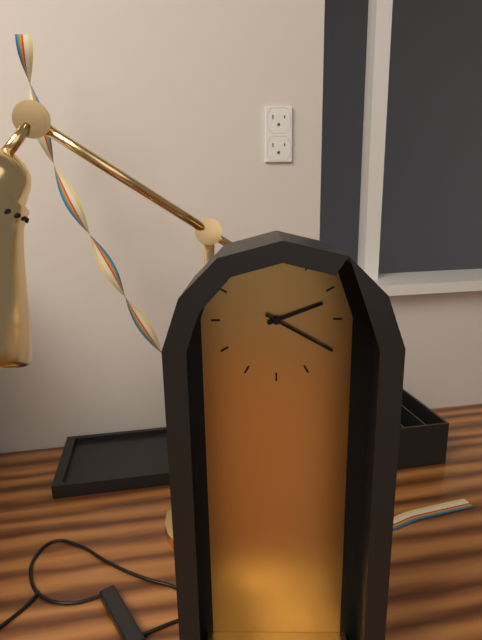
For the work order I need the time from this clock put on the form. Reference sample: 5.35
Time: 2.20
